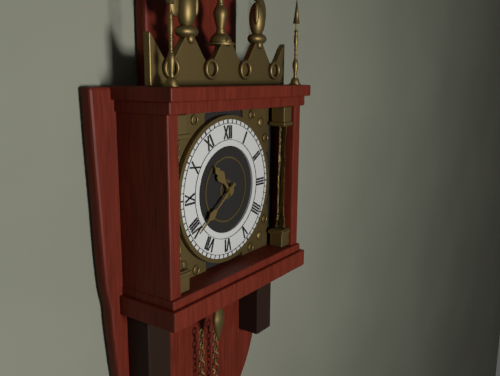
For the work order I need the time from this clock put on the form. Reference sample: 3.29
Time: 10.39
